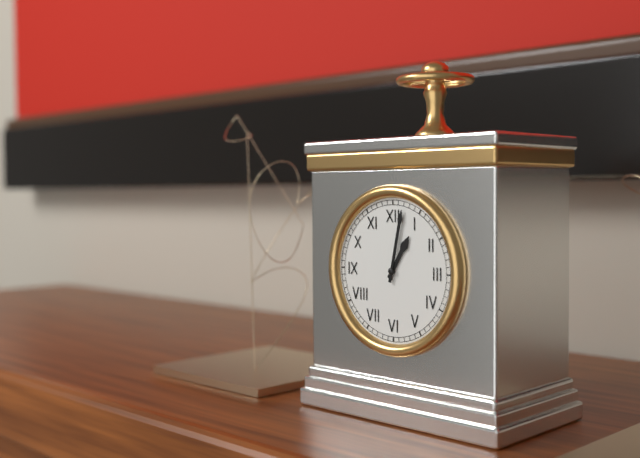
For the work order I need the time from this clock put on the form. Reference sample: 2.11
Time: 1.02
